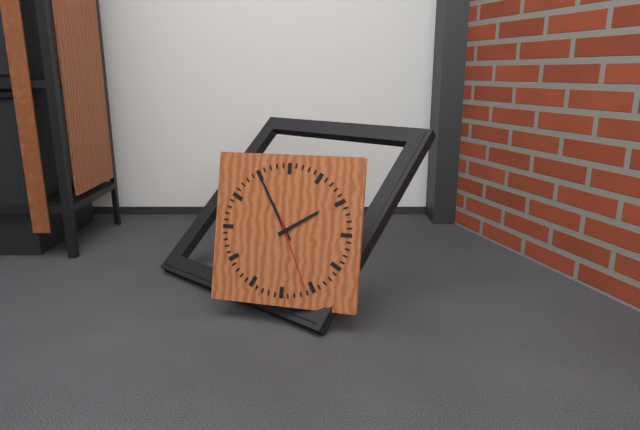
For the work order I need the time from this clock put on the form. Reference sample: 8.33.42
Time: 1.55.26
